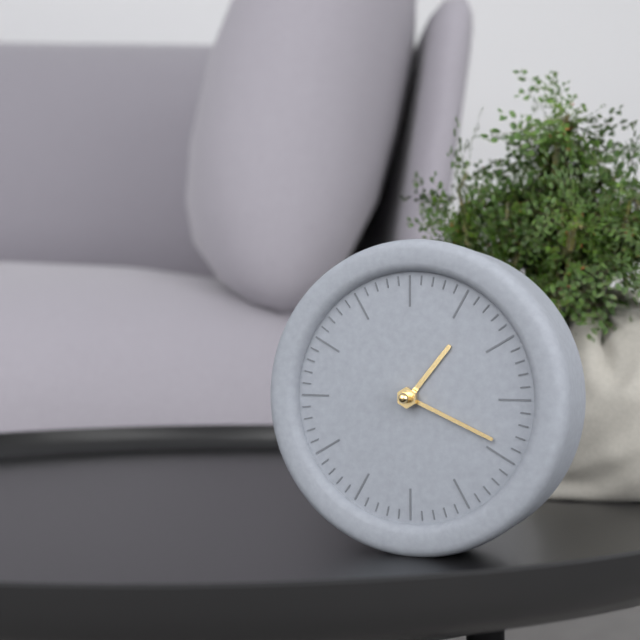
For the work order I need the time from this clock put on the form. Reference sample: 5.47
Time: 1.19
